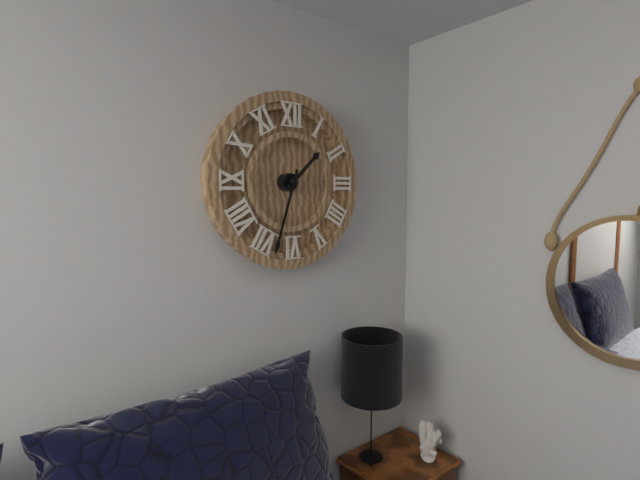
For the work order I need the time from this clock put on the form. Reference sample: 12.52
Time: 1.33
